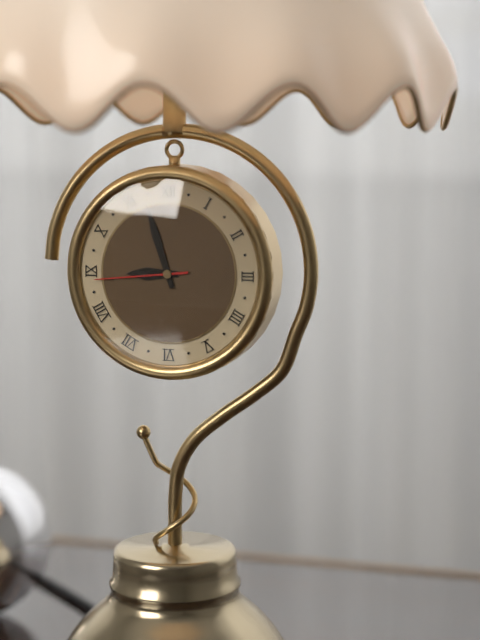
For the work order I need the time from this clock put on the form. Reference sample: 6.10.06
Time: 8.57.44
